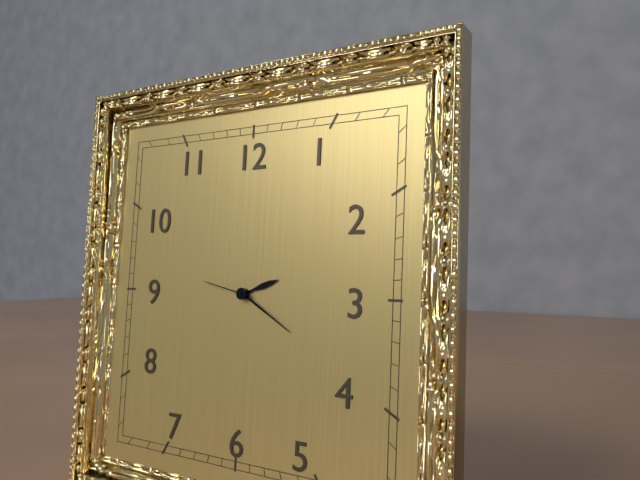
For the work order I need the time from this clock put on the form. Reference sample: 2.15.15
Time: 2.20.47
